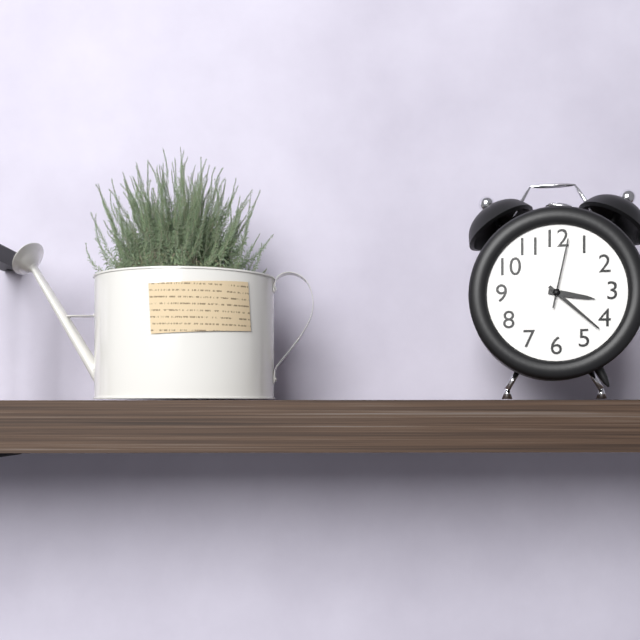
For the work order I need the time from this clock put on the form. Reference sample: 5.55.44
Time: 3.22.02
